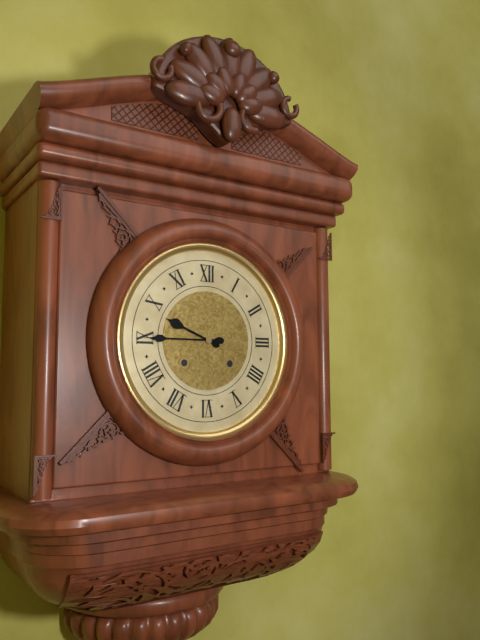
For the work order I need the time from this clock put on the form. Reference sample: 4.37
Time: 9.45
